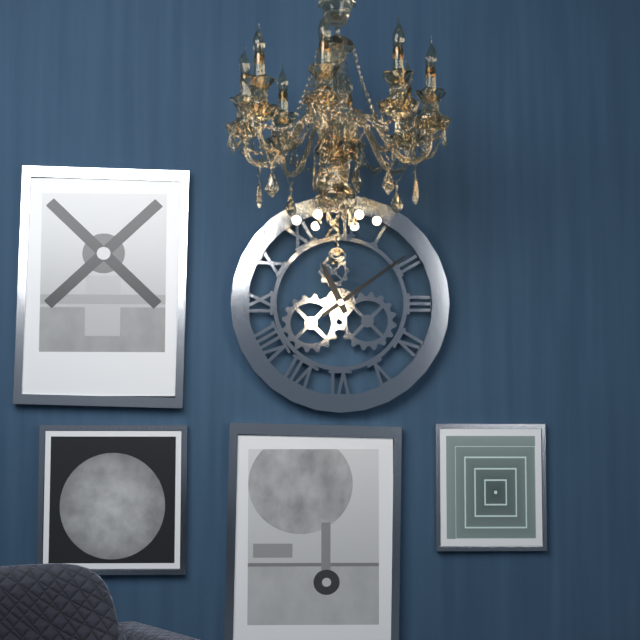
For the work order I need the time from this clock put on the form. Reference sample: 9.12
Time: 11.09
